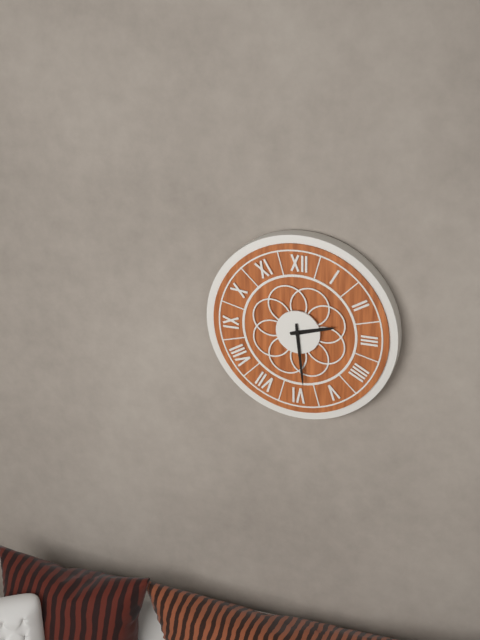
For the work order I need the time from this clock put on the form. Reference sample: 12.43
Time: 2.29
